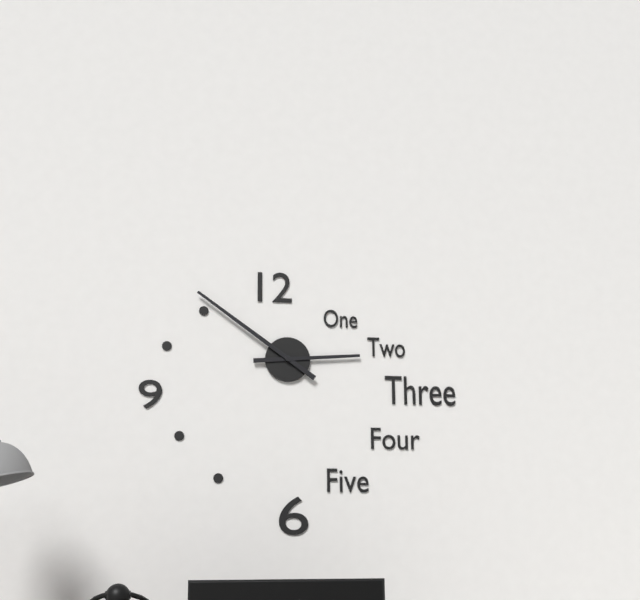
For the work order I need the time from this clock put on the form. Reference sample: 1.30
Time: 2.51
